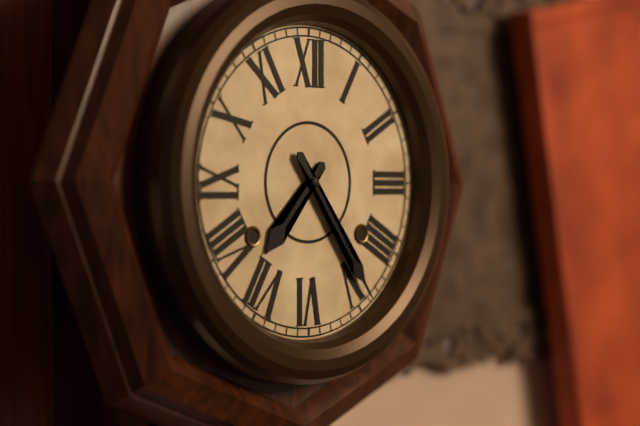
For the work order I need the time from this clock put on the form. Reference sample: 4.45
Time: 7.24
